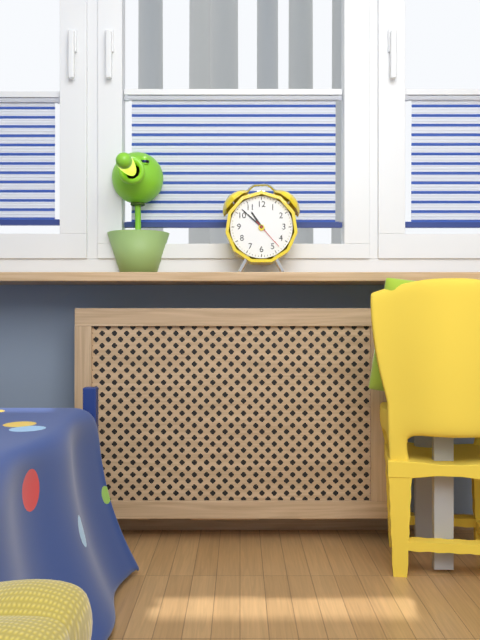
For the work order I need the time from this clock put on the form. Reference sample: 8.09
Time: 10.52
